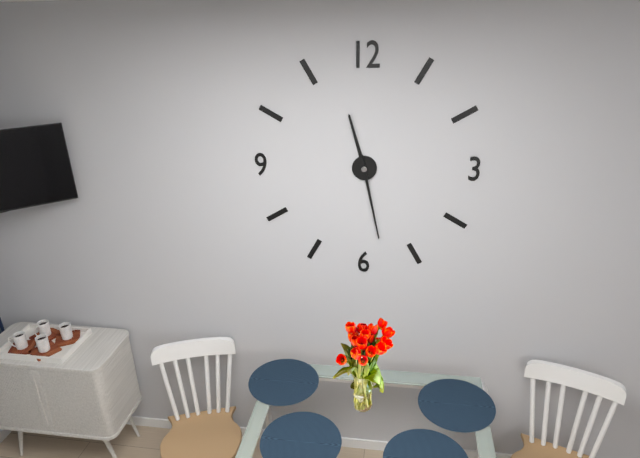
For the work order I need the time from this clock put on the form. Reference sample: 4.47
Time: 11.28
